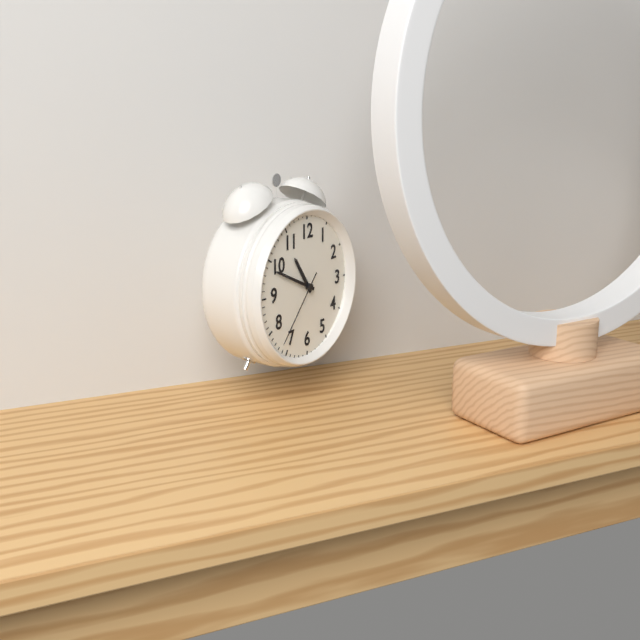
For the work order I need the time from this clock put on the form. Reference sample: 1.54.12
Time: 10.49.37
